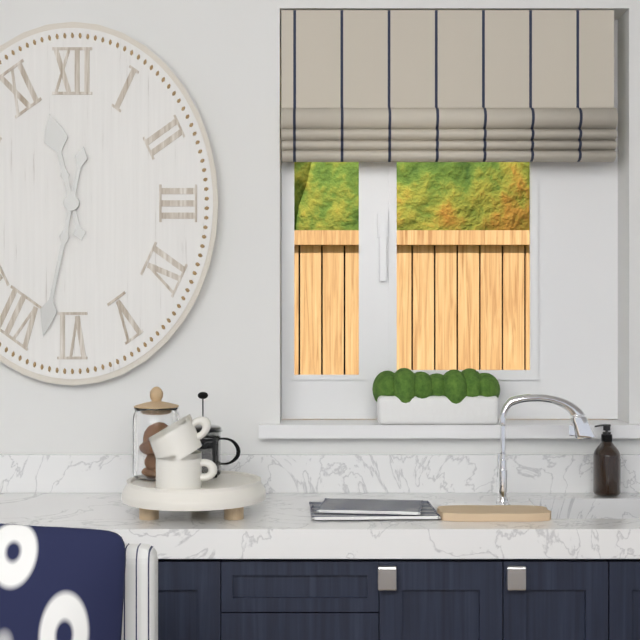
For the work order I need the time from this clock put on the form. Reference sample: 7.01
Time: 11.32
